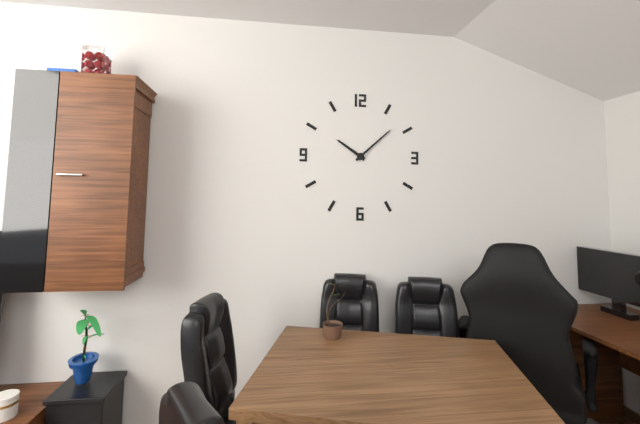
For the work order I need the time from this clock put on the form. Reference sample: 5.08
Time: 10.08
